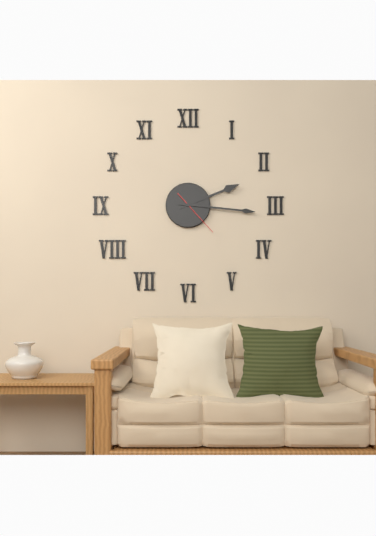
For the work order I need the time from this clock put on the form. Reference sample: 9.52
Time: 2.16
